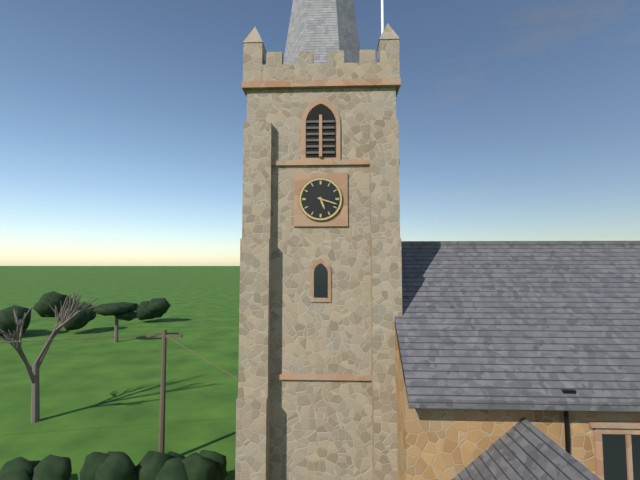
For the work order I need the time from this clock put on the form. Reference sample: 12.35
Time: 5.18
